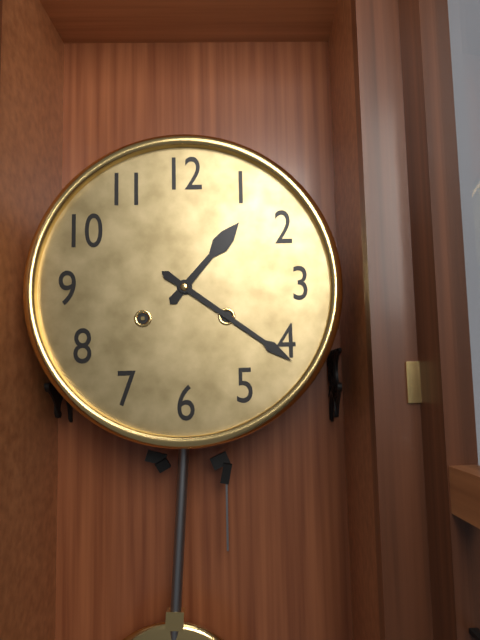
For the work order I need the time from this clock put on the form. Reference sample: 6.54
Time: 1.21
